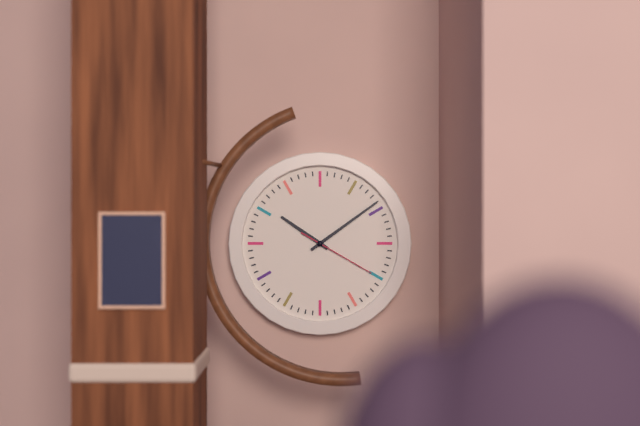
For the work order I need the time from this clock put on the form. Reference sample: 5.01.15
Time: 10.09.20
